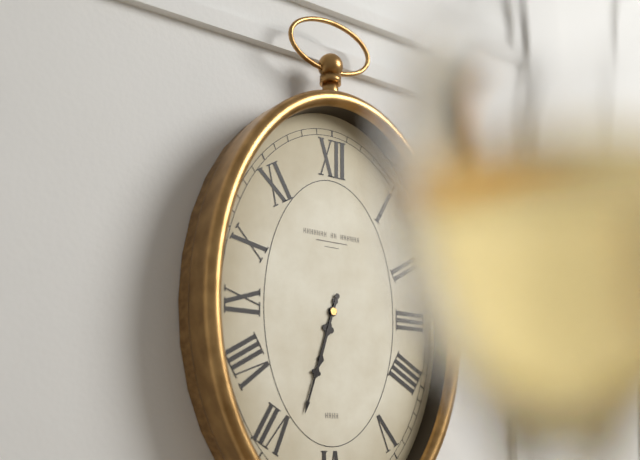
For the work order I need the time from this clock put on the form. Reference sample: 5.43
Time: 6.33
